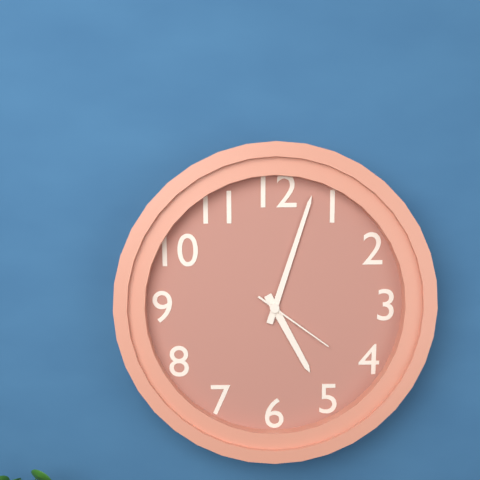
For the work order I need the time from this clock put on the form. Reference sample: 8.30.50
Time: 5.03.21
